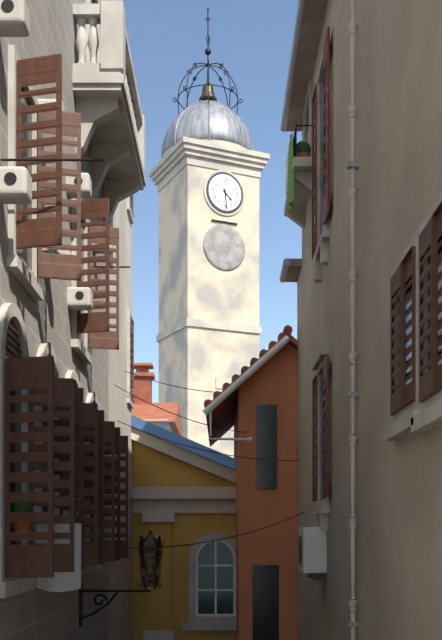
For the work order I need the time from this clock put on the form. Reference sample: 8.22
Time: 4.29
